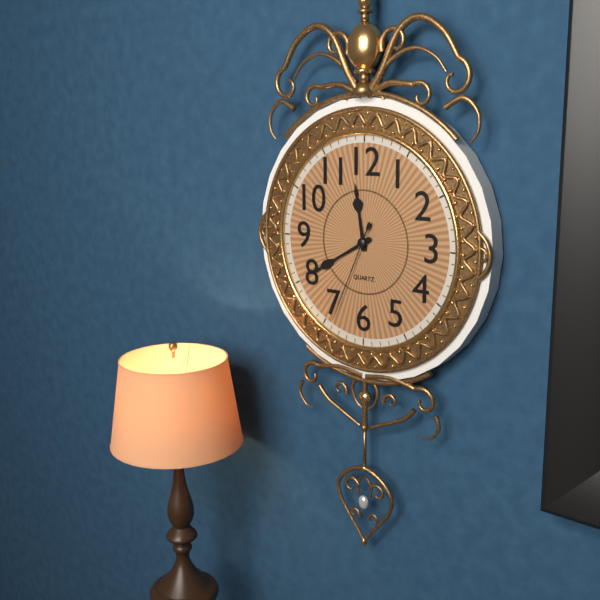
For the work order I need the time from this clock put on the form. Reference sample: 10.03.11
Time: 11.40.34
